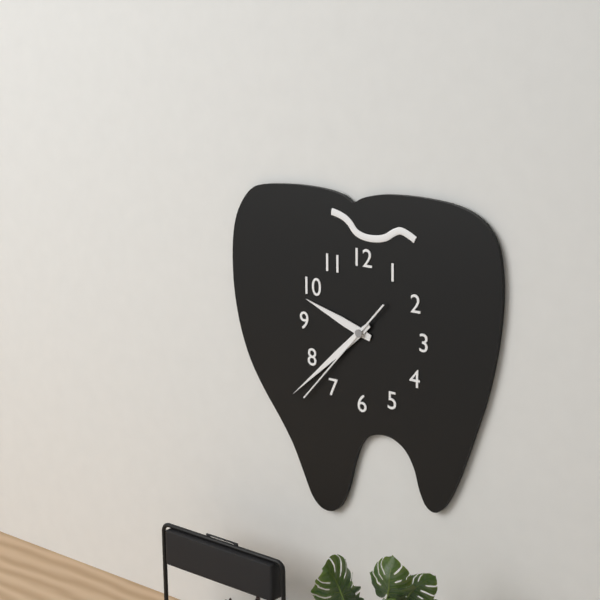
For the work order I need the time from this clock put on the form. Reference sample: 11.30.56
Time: 9.38.37
